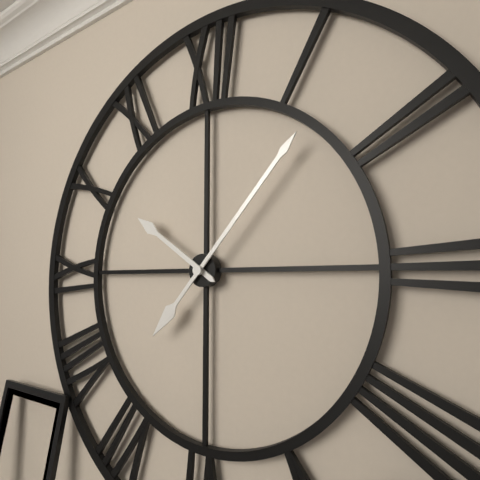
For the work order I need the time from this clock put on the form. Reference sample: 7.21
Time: 10.07
